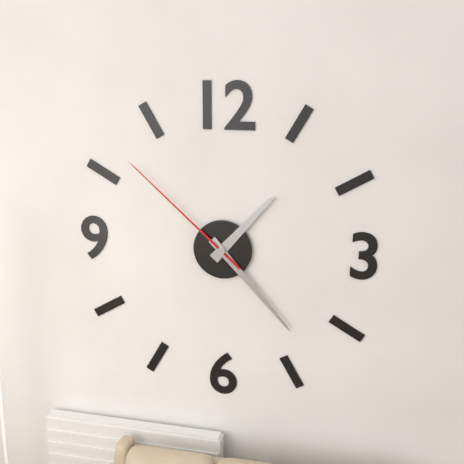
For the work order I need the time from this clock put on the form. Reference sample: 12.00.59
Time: 1.23.52
